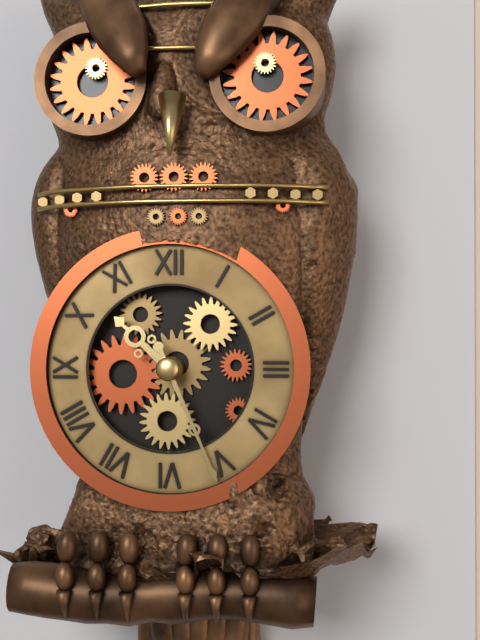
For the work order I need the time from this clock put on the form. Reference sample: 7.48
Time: 10.26
